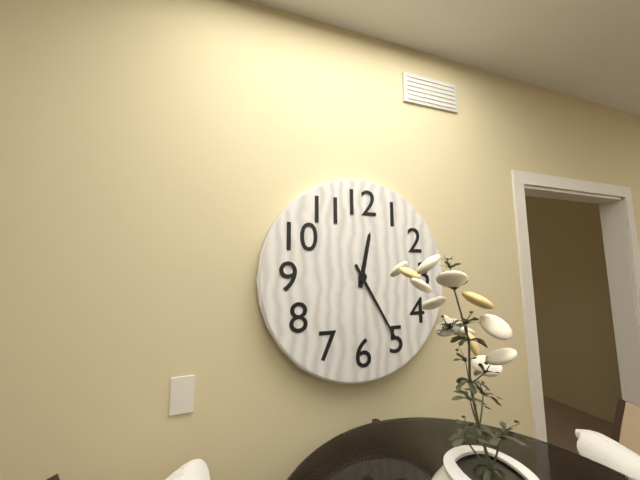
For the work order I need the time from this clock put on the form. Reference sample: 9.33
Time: 12.25
